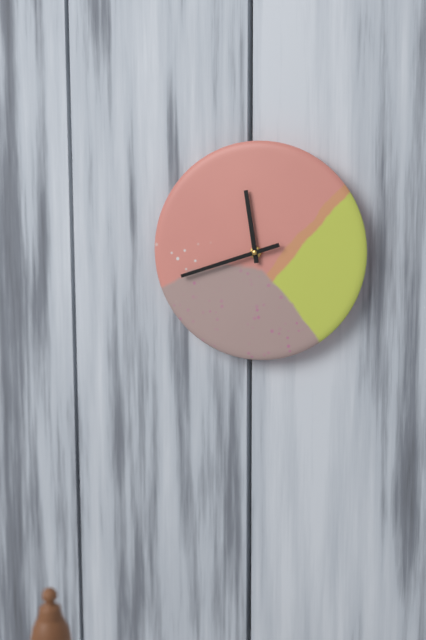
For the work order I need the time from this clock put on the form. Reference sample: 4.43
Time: 11.42
